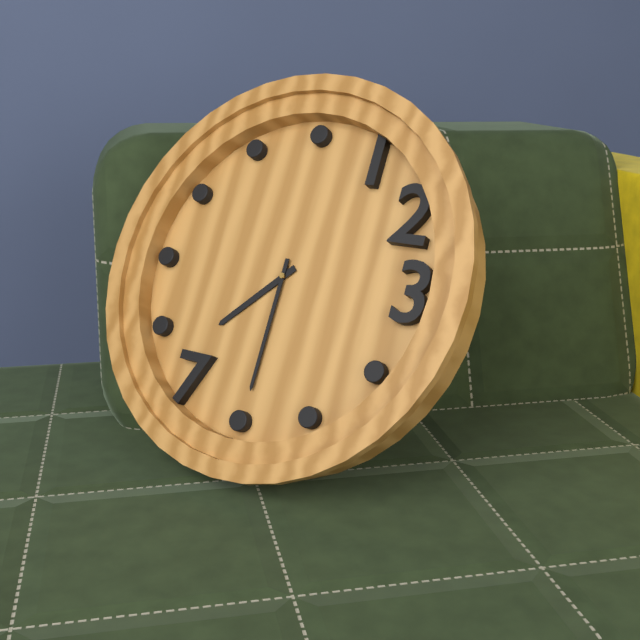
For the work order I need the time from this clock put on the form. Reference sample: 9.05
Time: 7.30
